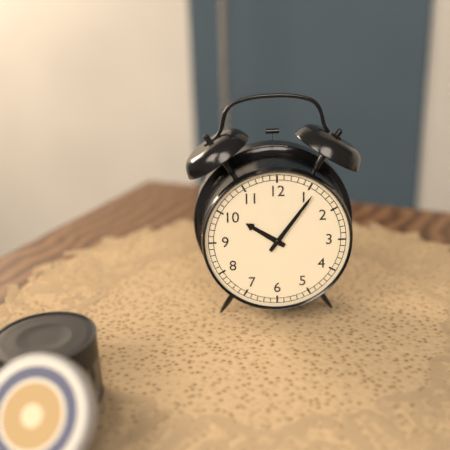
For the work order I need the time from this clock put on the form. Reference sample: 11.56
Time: 10.06
